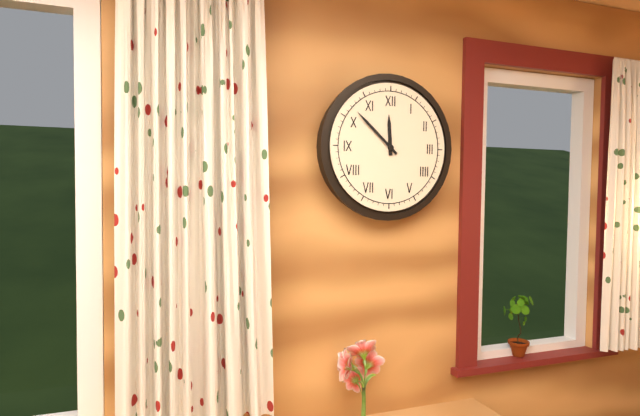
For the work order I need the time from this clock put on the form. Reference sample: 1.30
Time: 11.52
